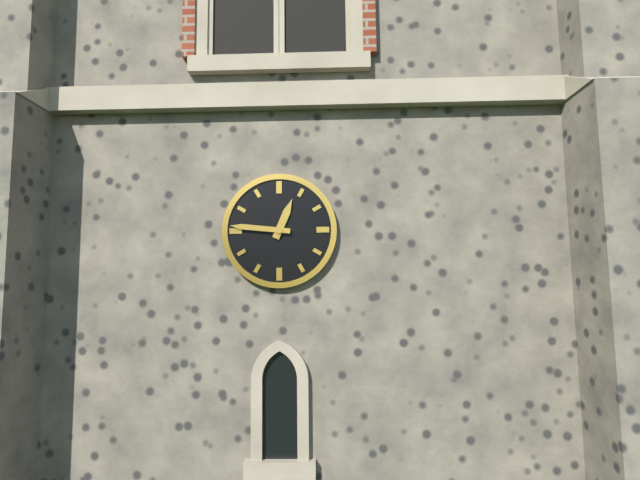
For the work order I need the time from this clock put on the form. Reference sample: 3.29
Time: 12.46
